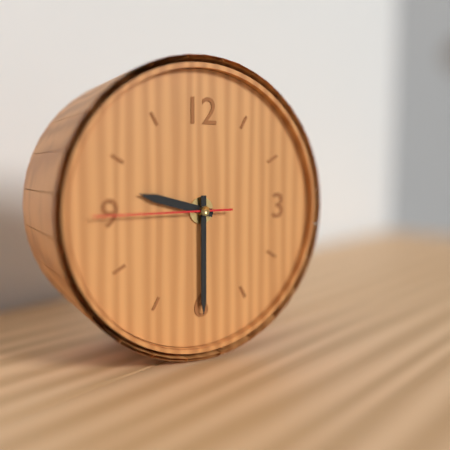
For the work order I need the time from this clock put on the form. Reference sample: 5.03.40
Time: 9.30.45
